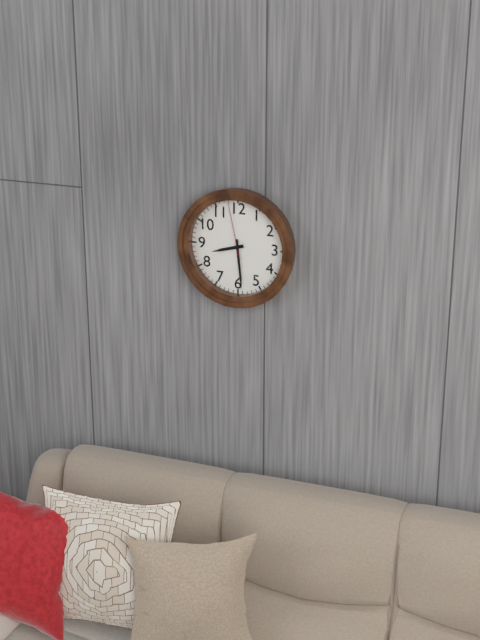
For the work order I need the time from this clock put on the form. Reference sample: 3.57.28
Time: 8.29.58
